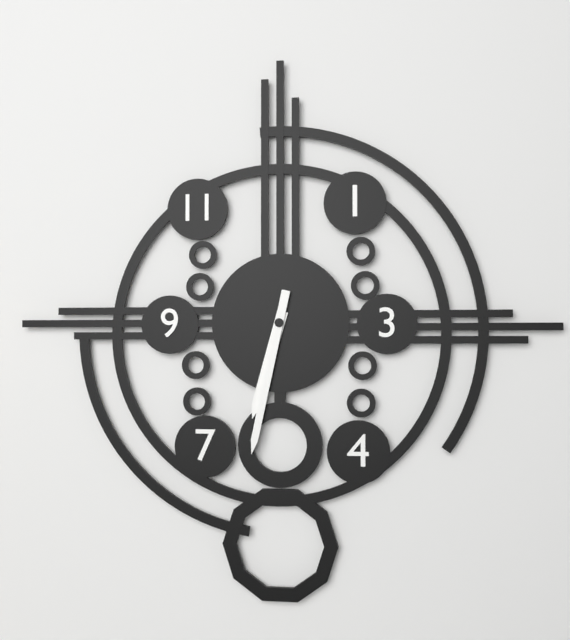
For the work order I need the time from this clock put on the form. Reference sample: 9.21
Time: 6.32
